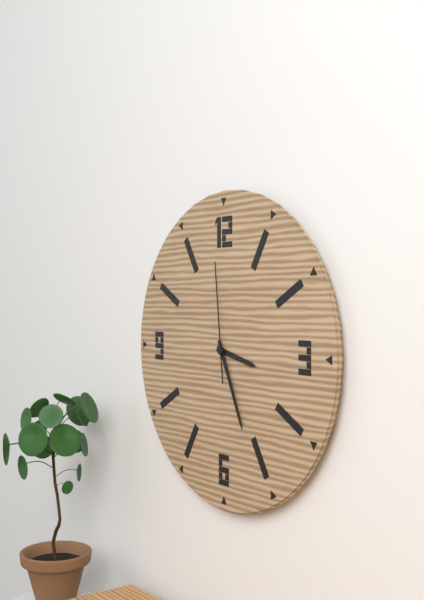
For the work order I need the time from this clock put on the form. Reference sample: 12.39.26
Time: 3.26.59
